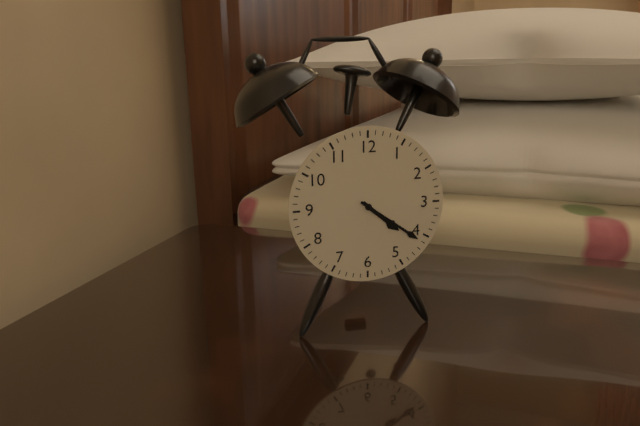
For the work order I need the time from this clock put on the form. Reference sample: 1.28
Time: 4.21
